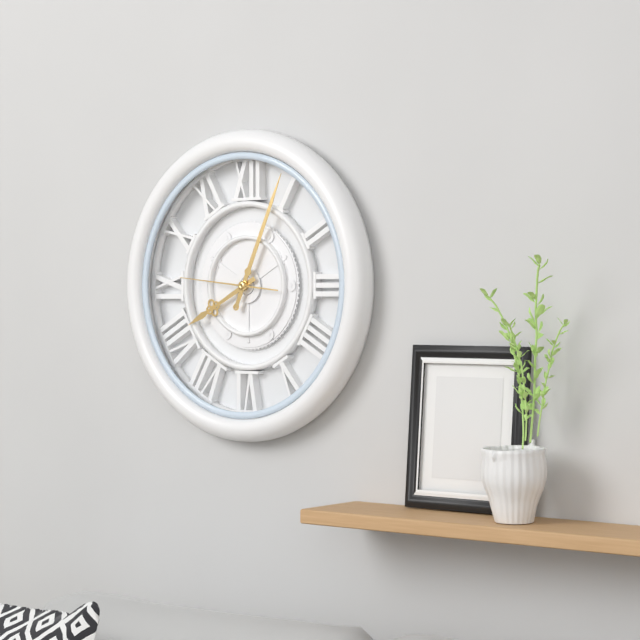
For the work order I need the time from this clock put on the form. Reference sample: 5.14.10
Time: 8.04.46
